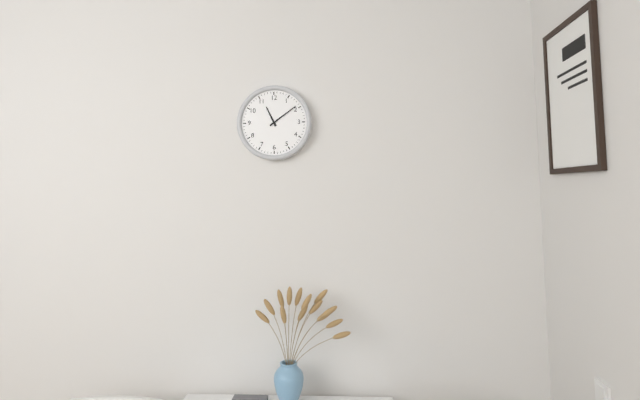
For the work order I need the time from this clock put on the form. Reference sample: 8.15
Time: 11.09
